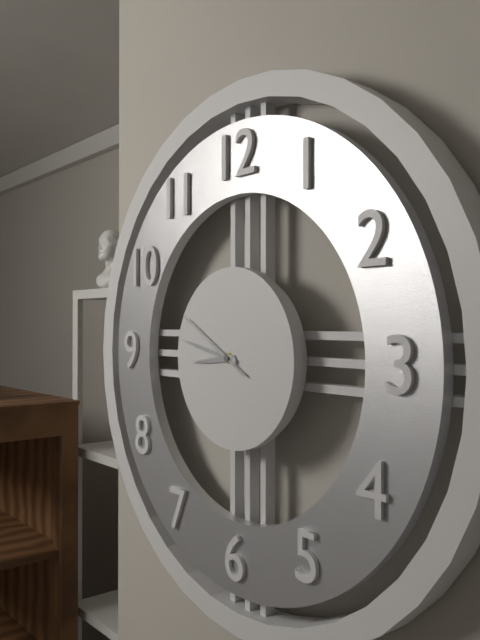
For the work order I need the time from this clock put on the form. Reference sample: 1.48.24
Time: 8.47.50
